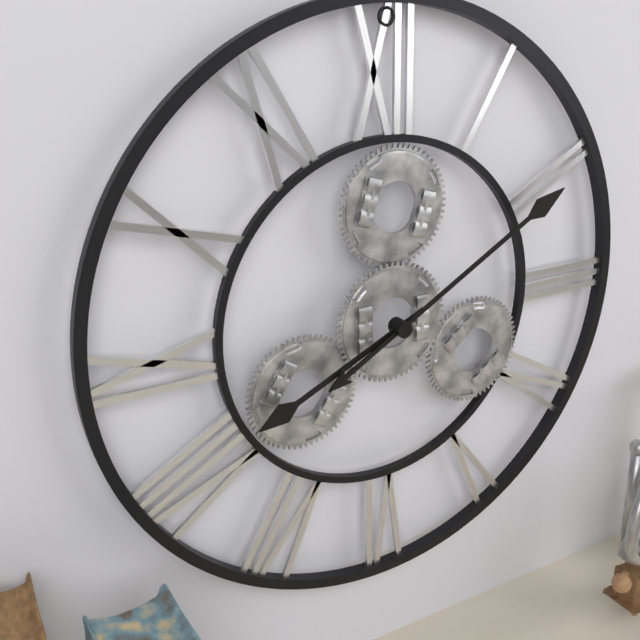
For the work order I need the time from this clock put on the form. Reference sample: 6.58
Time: 8.10
